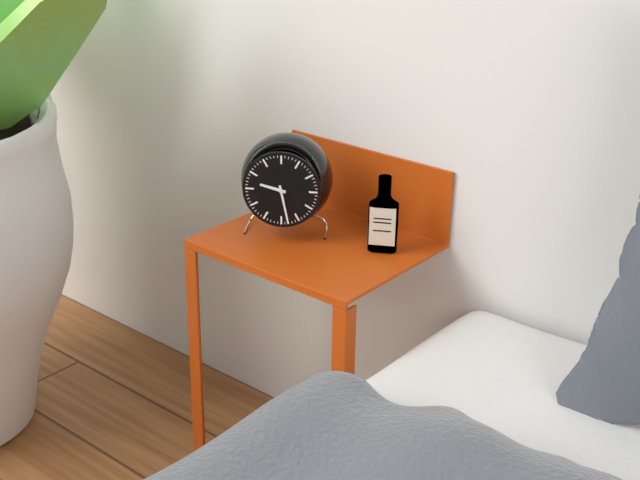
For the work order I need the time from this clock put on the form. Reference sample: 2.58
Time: 9.28
